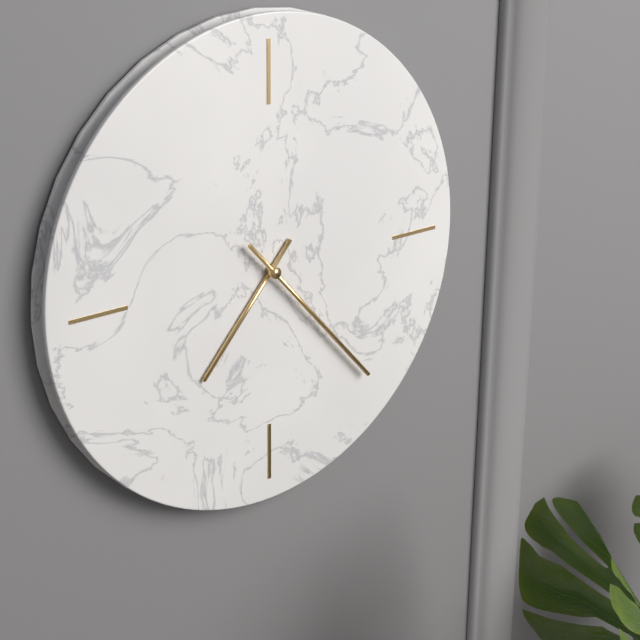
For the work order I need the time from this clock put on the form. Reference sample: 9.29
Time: 7.23
